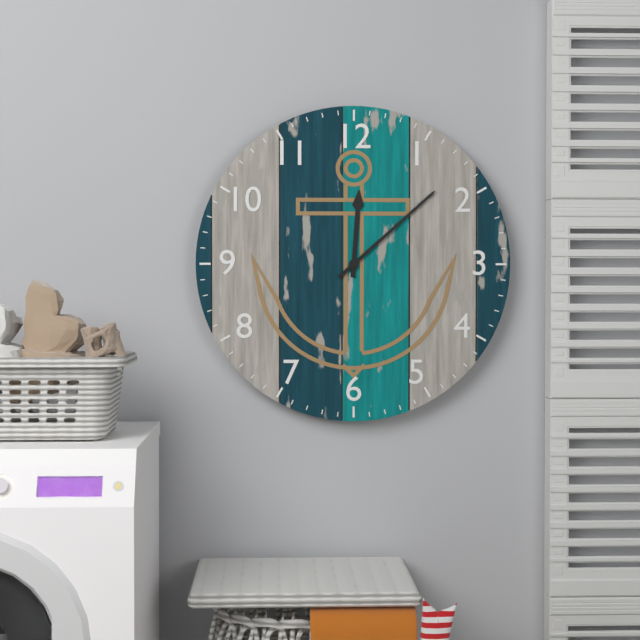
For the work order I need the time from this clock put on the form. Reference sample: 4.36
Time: 12.08
